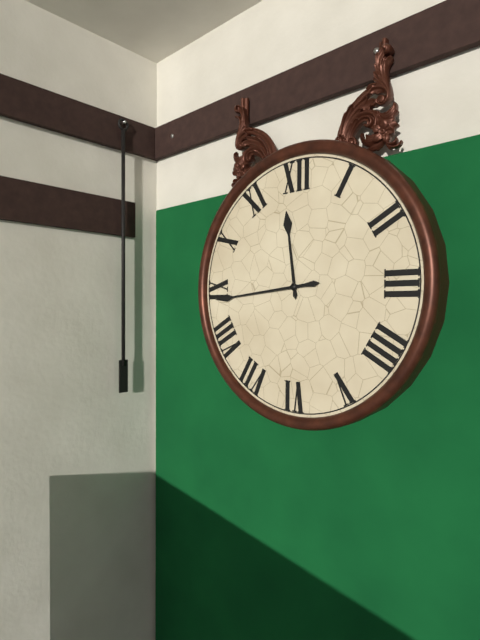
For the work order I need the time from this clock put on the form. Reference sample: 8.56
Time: 11.44
